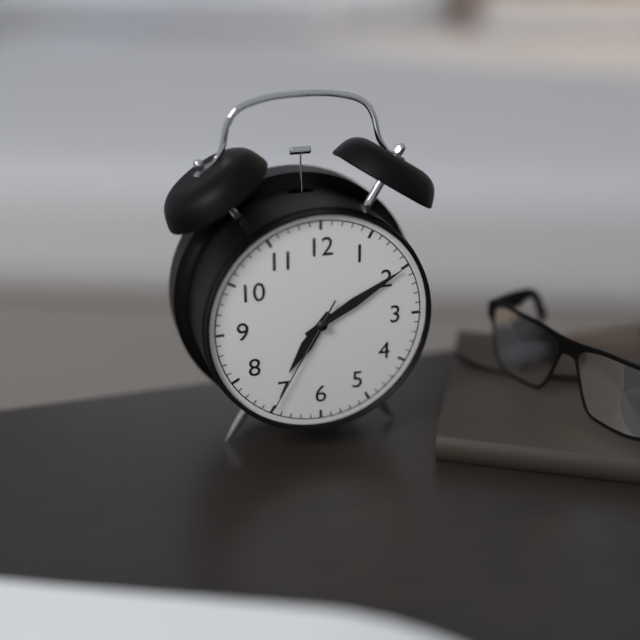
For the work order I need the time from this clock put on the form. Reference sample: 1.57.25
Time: 7.10.35
